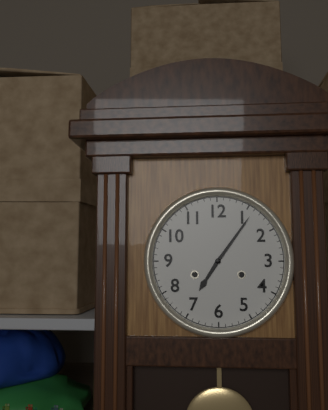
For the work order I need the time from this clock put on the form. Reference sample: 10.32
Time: 7.06
